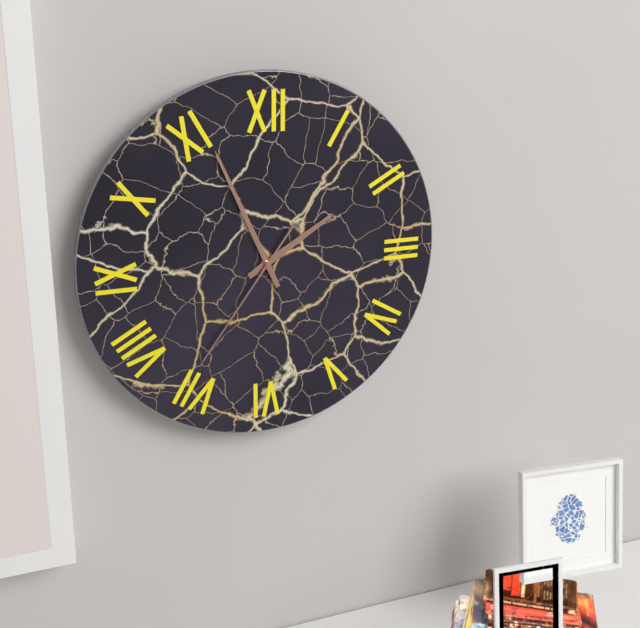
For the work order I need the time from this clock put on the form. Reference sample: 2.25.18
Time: 1.56.36
